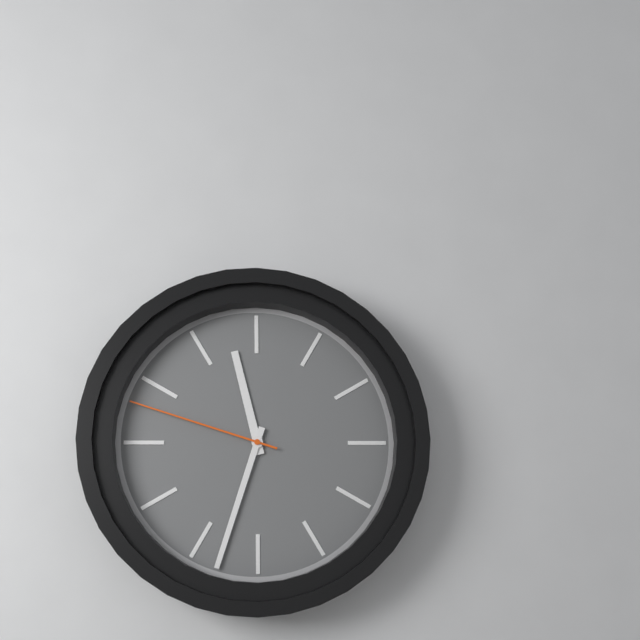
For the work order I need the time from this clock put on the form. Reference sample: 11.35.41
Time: 11.33.48
